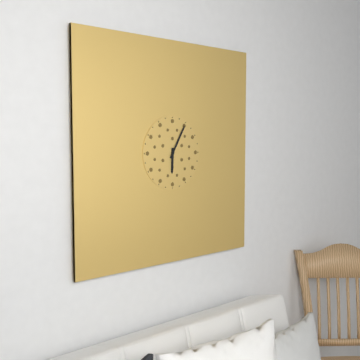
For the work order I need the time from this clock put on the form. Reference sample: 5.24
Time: 6.05
